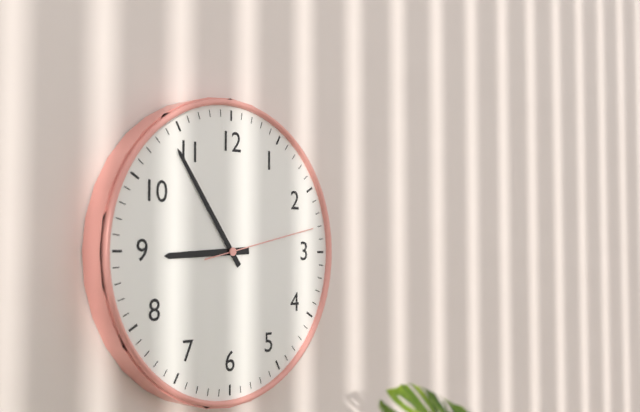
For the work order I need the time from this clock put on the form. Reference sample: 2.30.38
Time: 8.54.13
